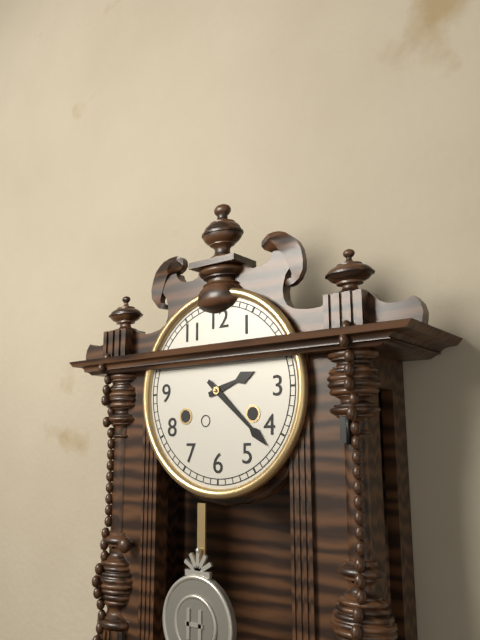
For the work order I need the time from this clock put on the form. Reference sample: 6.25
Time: 2.22
